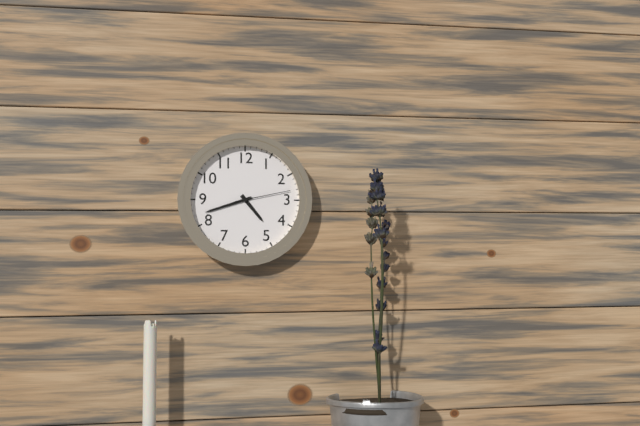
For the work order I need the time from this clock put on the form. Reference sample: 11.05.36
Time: 4.42.13
